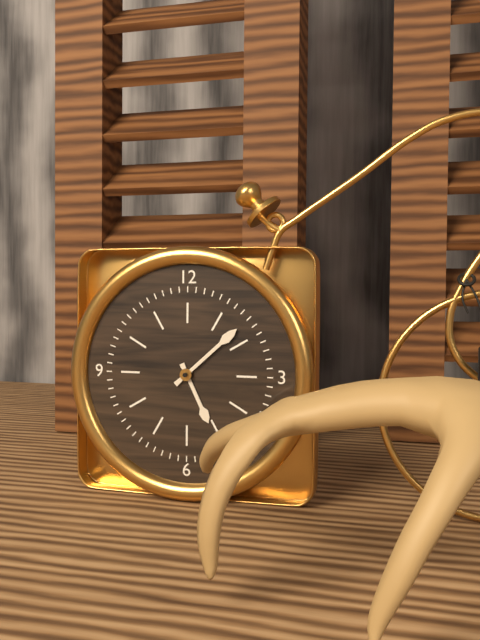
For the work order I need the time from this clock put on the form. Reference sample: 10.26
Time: 5.08
